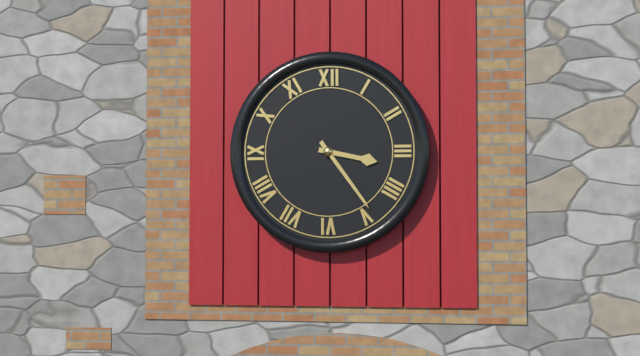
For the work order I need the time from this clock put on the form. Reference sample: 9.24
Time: 3.24
